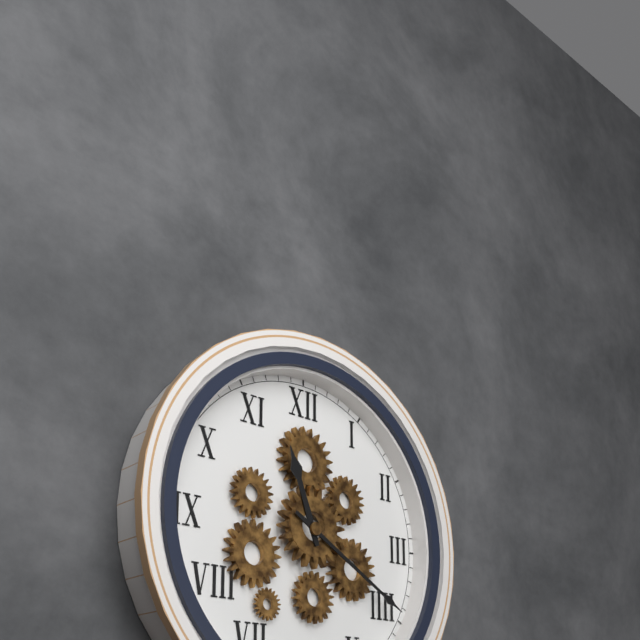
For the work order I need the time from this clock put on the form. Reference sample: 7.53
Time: 11.20
